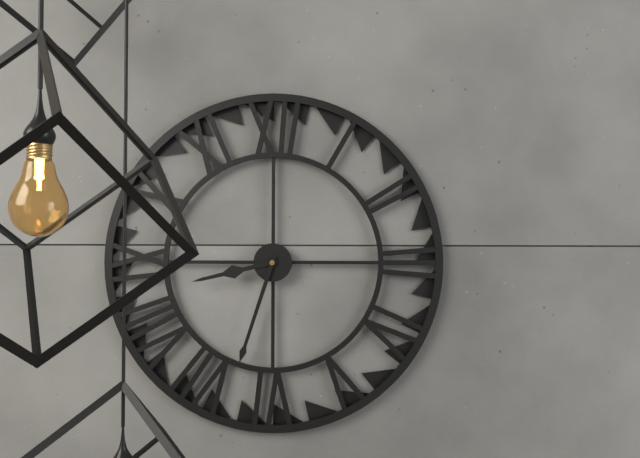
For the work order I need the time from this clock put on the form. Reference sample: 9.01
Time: 8.33
